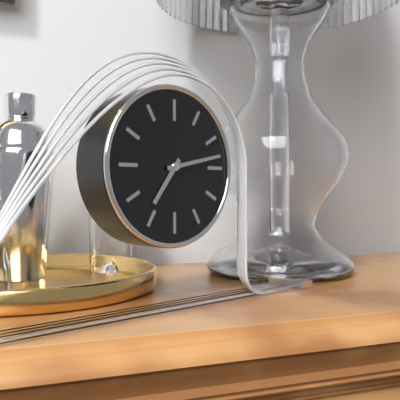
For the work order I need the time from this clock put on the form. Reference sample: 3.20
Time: 7.13
